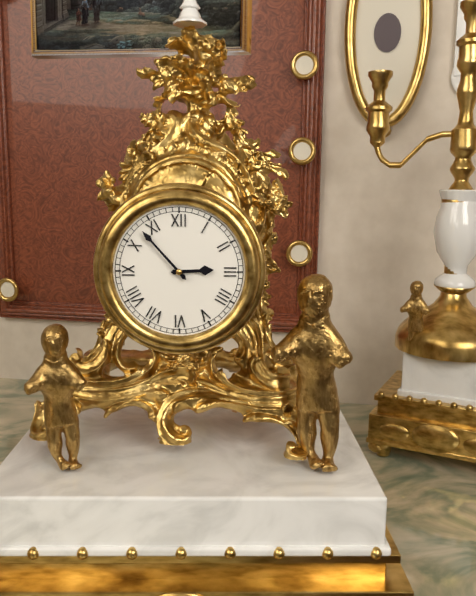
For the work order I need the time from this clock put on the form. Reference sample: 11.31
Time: 2.53
